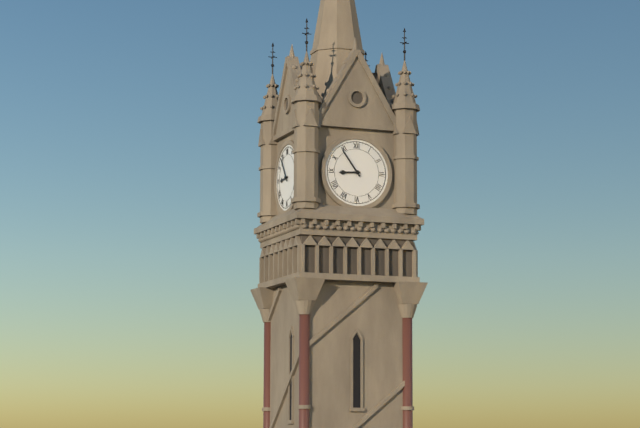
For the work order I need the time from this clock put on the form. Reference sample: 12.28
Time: 8.54
